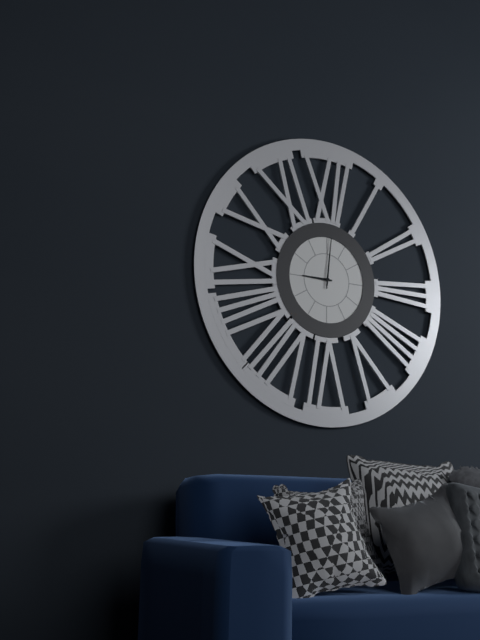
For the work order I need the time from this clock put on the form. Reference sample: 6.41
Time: 9.01
